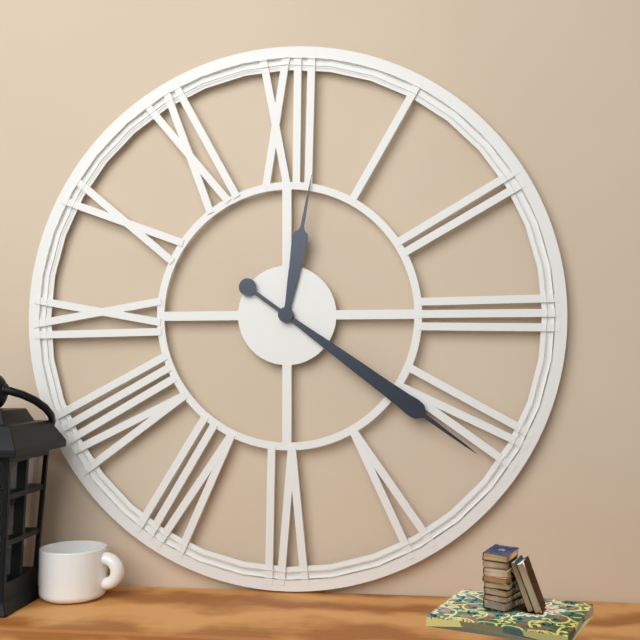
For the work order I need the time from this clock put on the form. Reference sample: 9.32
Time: 12.21
